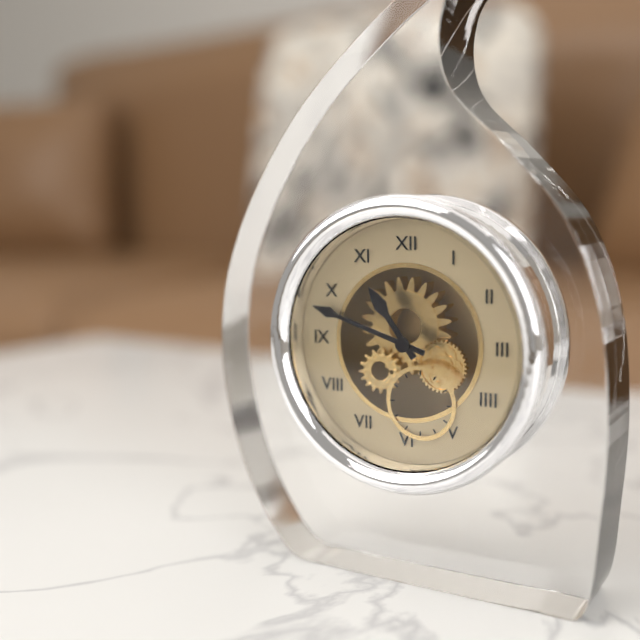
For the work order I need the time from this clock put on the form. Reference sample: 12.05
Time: 10.48
